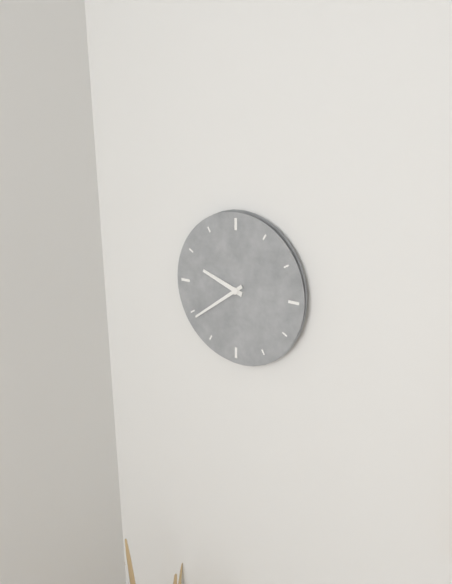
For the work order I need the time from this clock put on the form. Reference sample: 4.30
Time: 9.39
